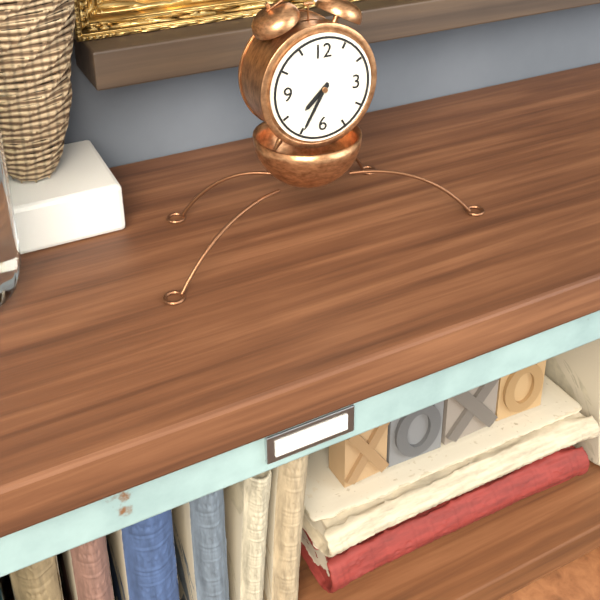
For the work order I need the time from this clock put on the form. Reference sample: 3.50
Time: 7.35
